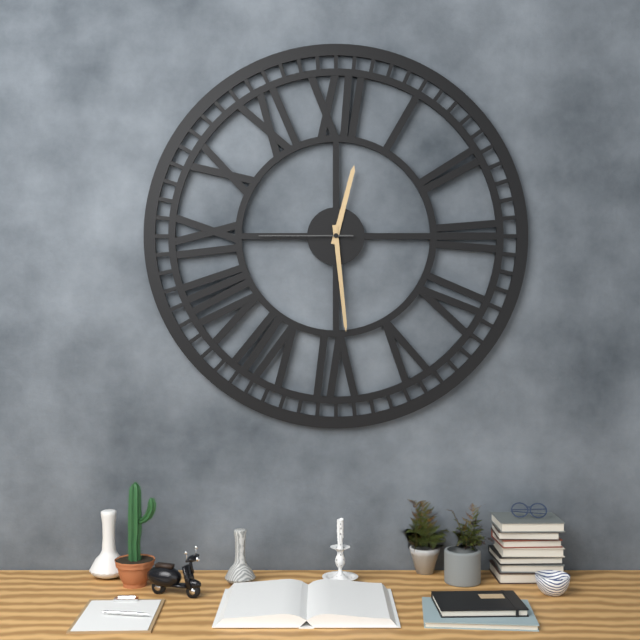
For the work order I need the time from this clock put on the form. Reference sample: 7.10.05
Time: 12.29.45
